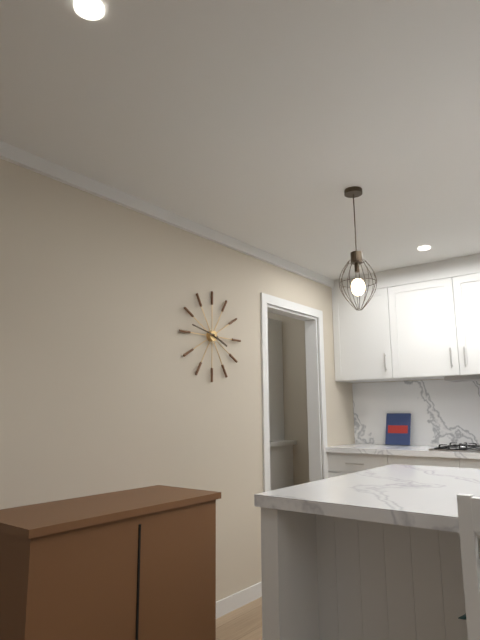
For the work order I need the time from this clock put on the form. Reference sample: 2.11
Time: 3.47
